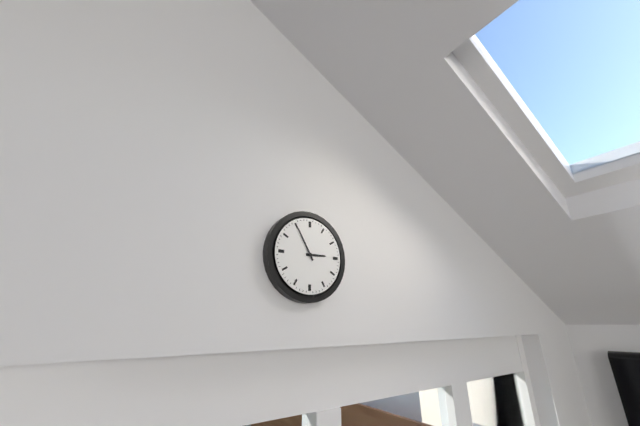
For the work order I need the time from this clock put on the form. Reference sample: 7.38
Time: 2.55
